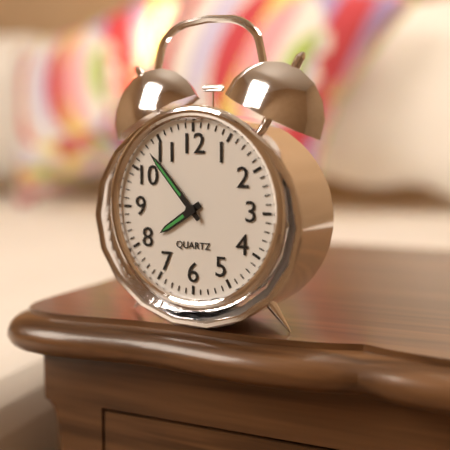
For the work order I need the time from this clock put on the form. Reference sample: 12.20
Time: 7.53
